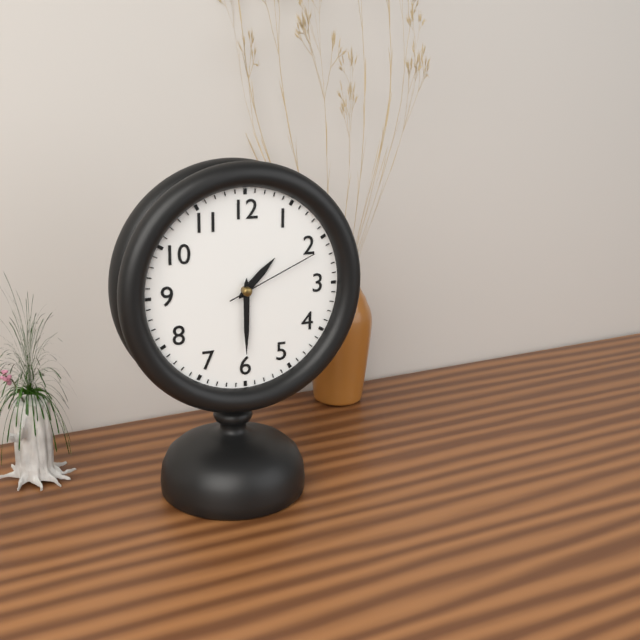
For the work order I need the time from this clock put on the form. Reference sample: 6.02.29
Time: 1.30.11
